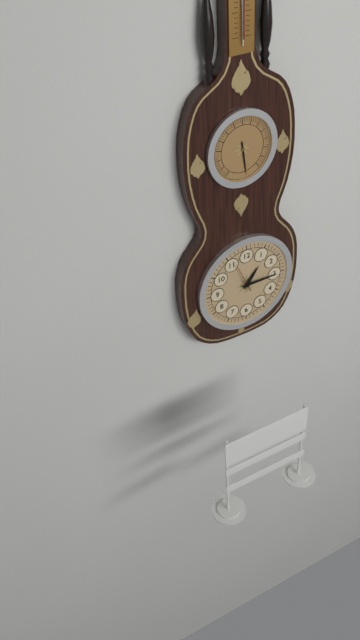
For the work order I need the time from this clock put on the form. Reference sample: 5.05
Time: 1.15
